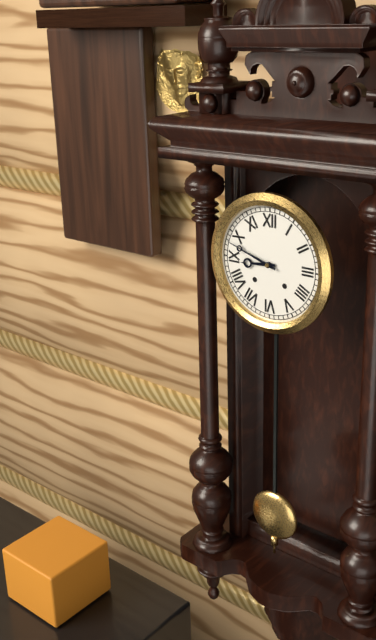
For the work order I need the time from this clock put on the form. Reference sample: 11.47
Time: 8.48
